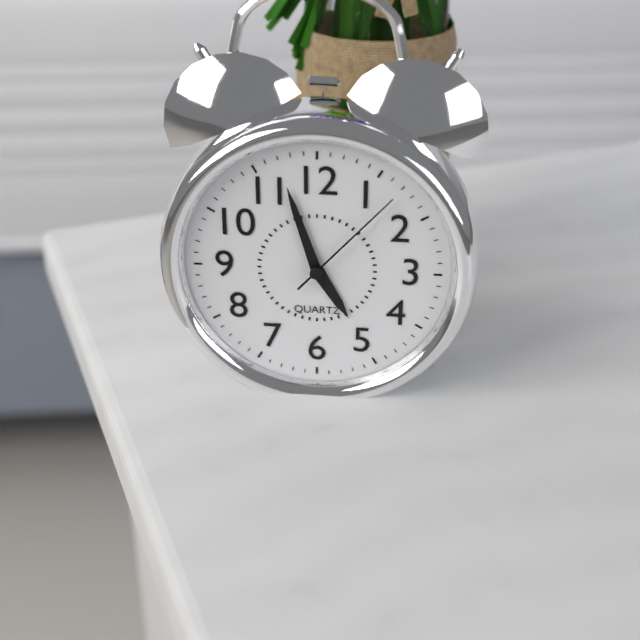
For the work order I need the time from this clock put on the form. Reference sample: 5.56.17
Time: 4.57.07
